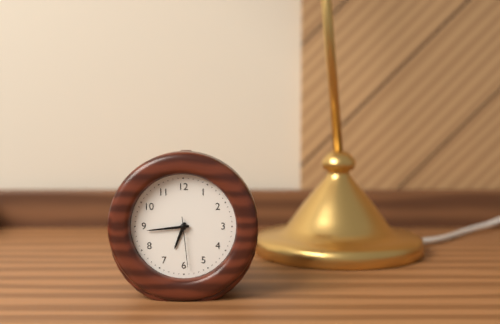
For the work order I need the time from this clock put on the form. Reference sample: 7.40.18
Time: 6.44.29
